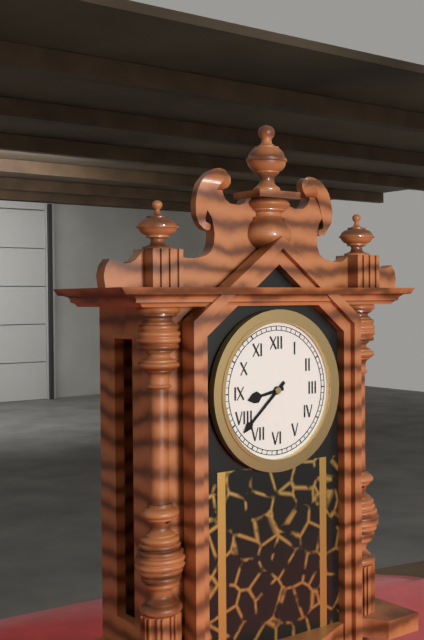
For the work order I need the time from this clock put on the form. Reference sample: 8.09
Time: 8.38
